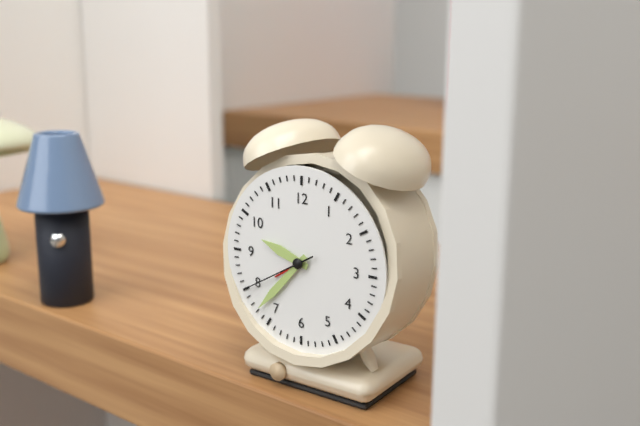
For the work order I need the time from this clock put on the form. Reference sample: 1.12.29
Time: 9.37.40
